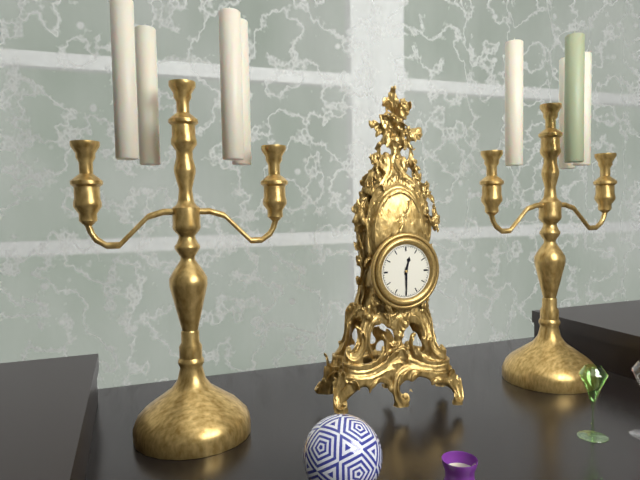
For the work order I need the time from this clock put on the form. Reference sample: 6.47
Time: 12.30
